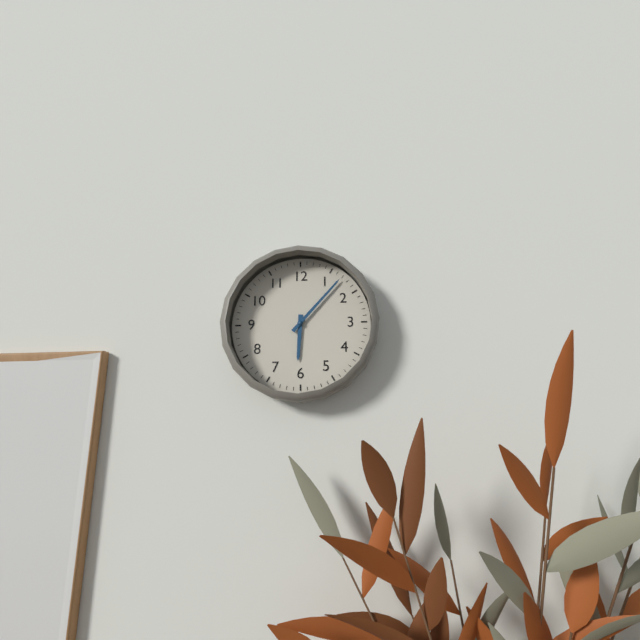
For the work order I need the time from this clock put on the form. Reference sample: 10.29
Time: 6.07
